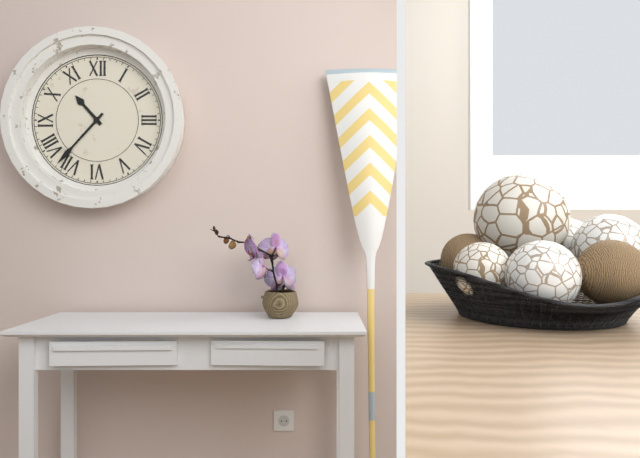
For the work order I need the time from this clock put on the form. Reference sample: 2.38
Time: 10.37
